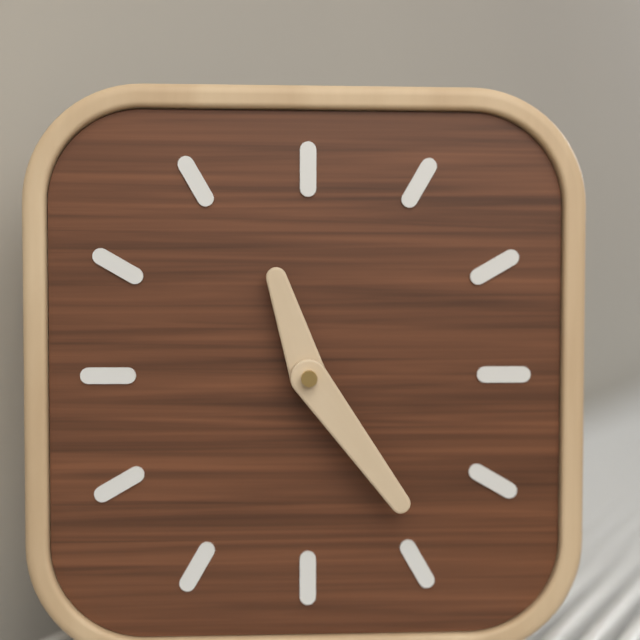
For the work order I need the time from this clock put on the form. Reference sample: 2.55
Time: 11.24
